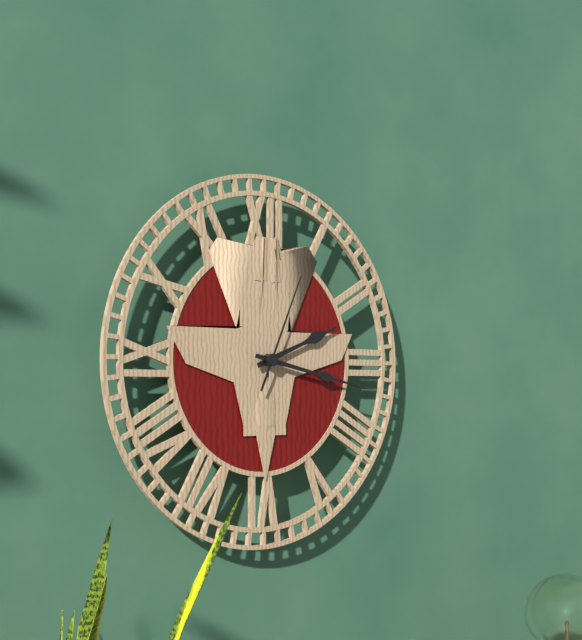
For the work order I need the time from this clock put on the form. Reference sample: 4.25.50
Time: 2.17.04
